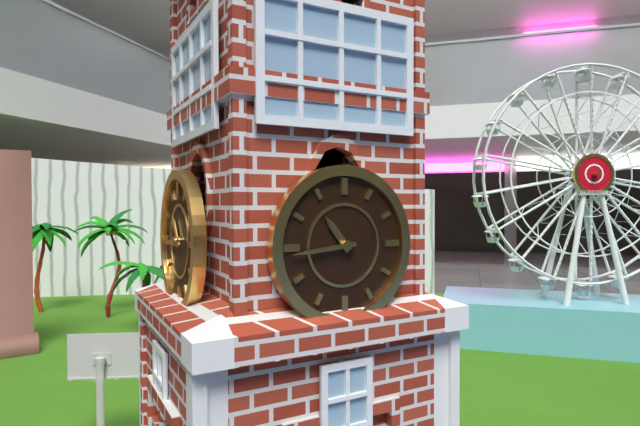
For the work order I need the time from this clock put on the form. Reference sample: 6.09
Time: 10.44
